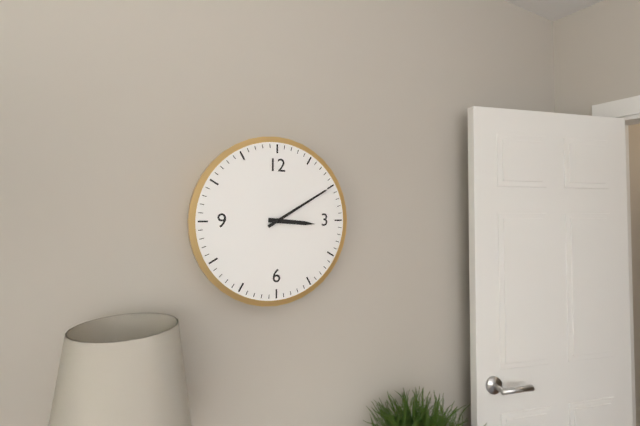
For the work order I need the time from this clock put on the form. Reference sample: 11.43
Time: 3.10
